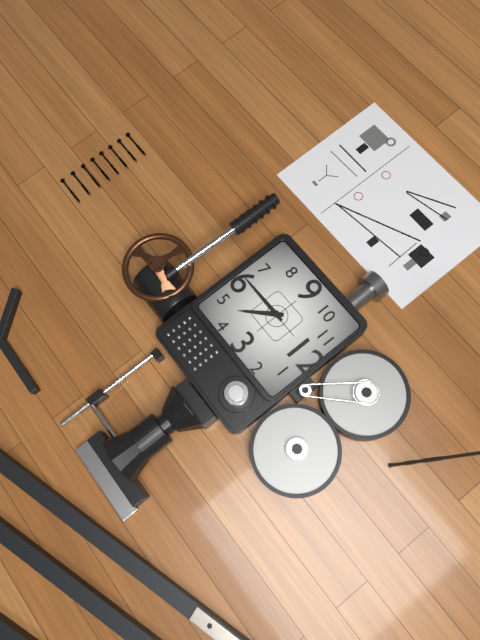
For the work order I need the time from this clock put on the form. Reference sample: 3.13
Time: 4.30
